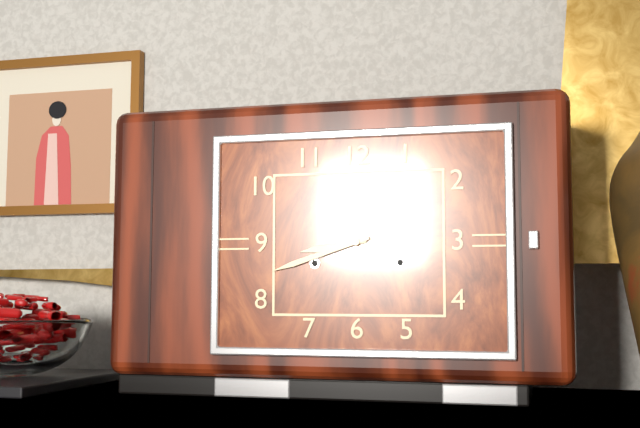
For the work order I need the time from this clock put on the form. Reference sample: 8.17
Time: 8.42
